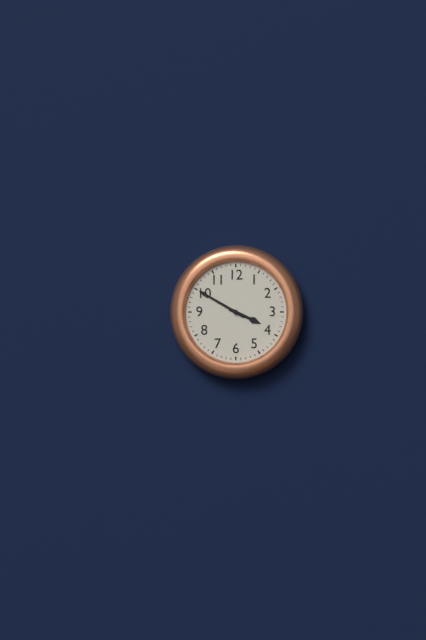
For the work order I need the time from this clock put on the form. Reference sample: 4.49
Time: 3.50
